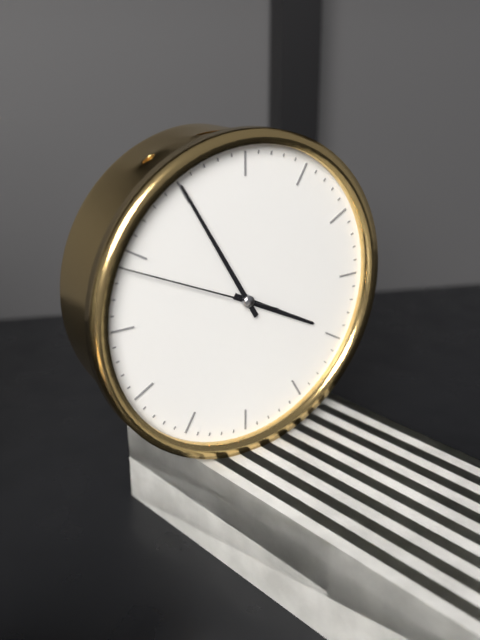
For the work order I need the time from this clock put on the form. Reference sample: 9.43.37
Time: 3.55.49
